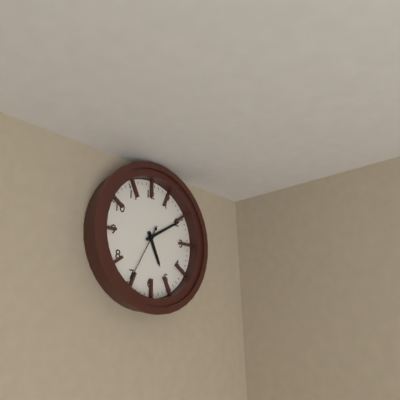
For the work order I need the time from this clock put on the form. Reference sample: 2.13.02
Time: 5.10.35
